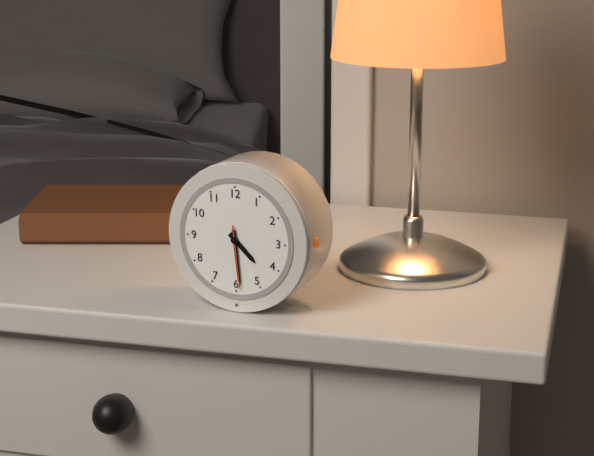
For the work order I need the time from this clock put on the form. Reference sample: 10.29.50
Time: 4.29.29
